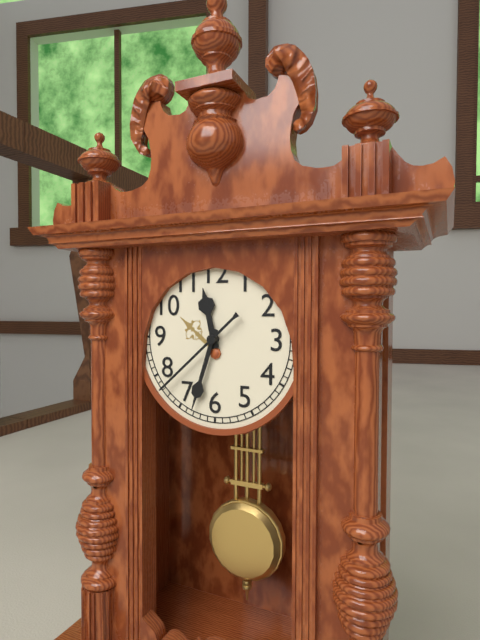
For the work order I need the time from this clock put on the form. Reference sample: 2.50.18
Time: 11.33.38
